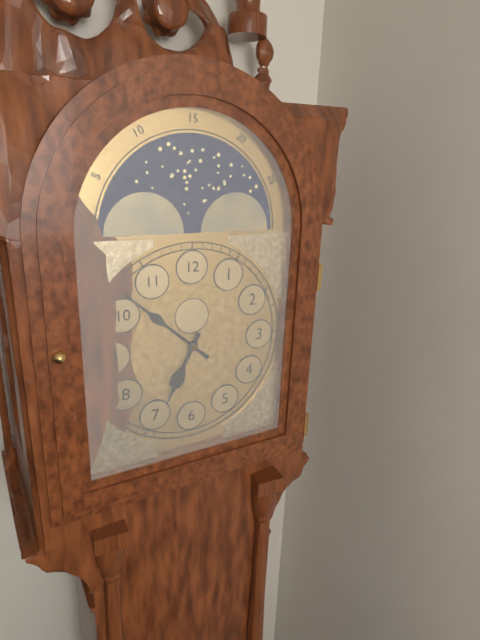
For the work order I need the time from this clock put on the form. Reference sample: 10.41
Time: 6.52
